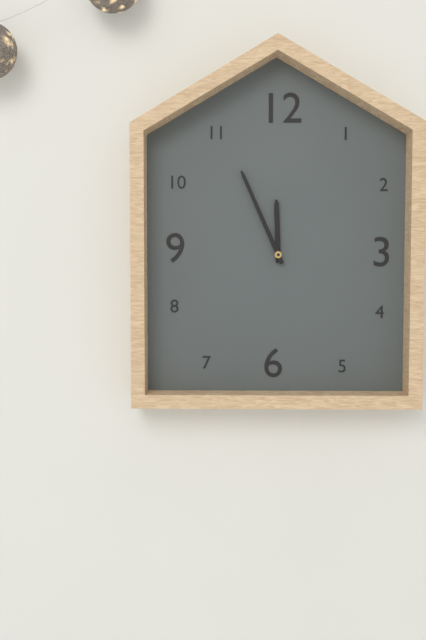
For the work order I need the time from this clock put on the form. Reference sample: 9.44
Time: 11.56
